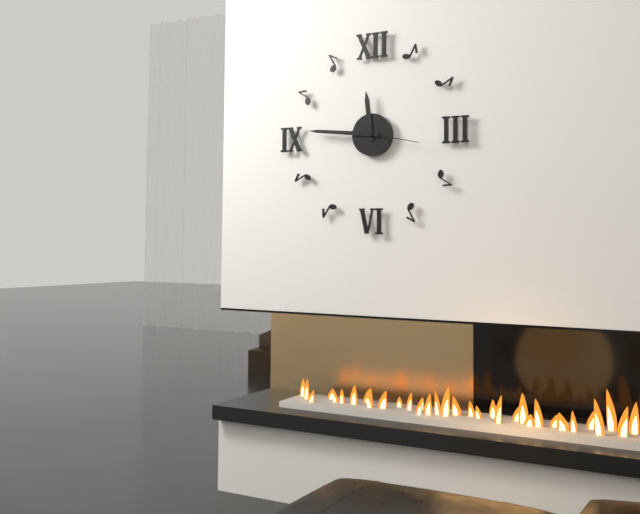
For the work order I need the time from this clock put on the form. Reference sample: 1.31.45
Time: 11.46.17
